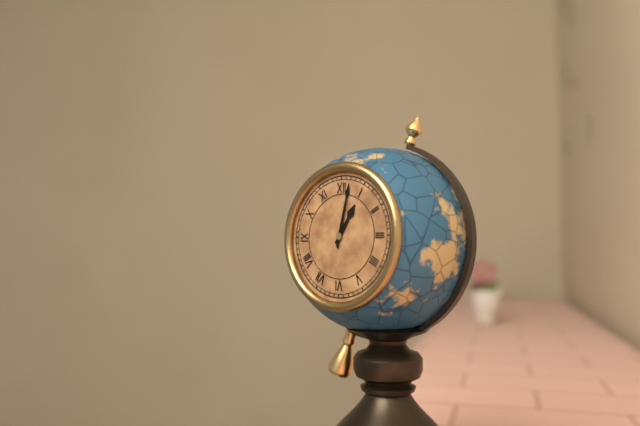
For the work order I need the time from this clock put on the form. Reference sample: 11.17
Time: 1.02
